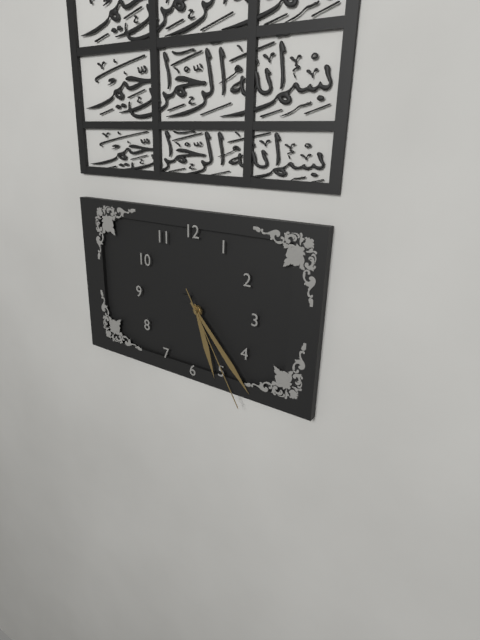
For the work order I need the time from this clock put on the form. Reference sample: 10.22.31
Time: 5.23.25
